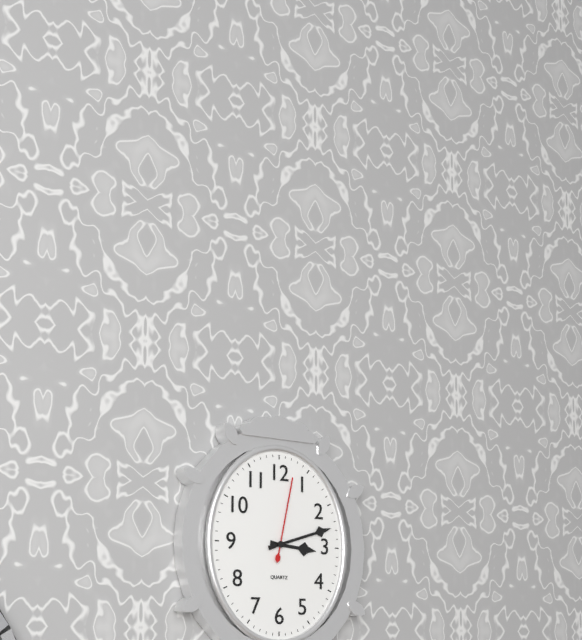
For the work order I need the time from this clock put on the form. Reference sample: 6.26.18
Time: 3.12.02
